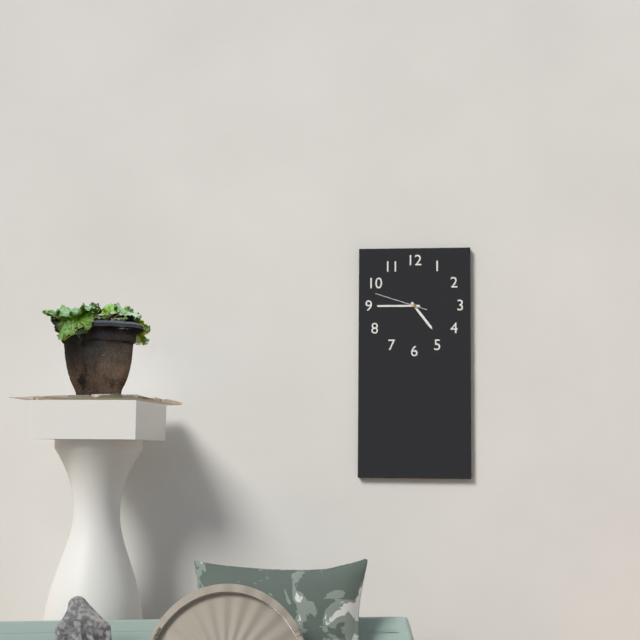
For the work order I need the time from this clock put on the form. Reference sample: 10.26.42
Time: 4.45.48
